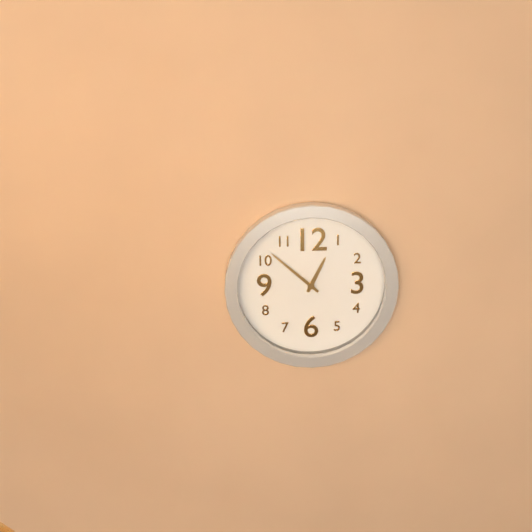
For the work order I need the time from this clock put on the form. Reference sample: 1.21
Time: 12.52
